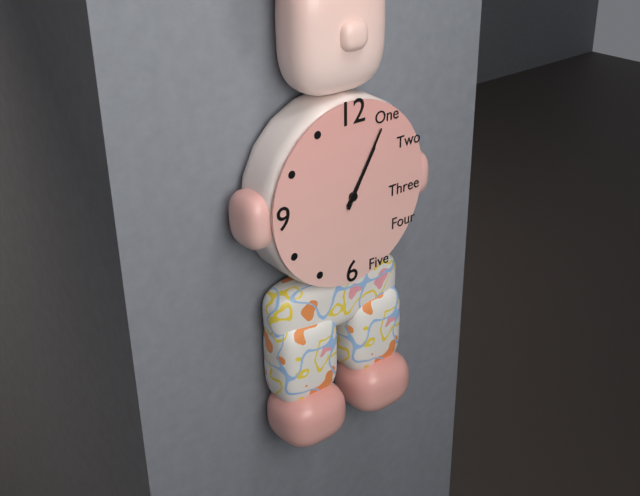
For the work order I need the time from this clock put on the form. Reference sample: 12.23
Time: 1.05
